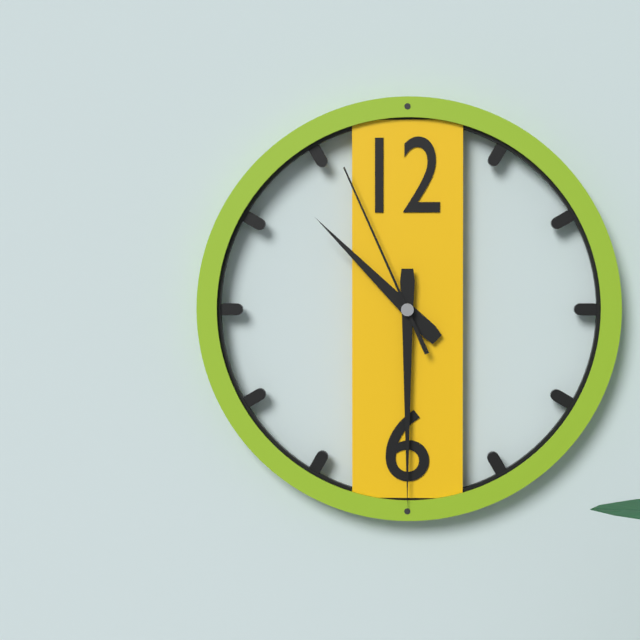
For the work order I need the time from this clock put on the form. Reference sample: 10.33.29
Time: 10.30.56
